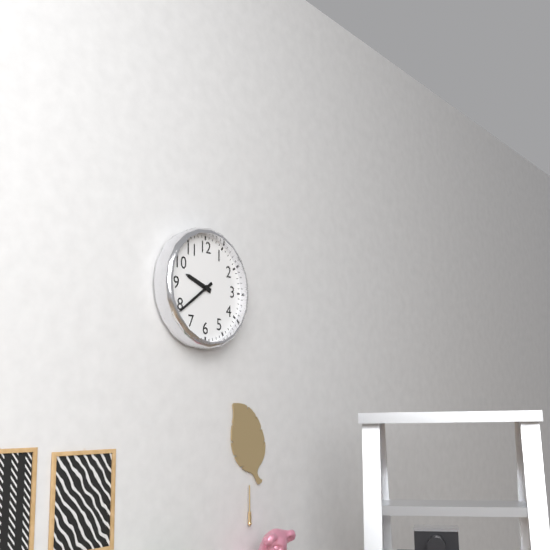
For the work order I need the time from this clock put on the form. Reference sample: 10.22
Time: 9.39
